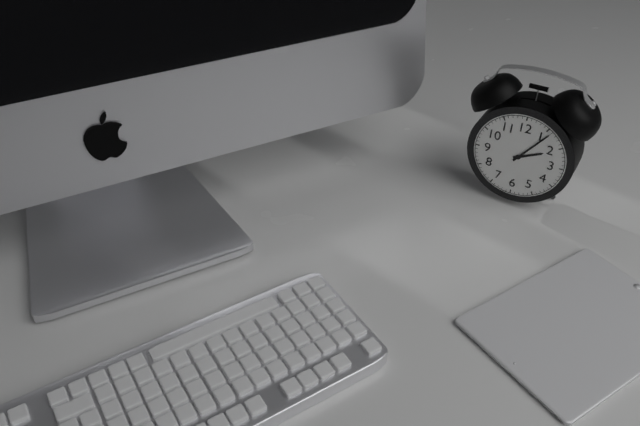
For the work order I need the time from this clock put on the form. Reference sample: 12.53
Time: 2.06
